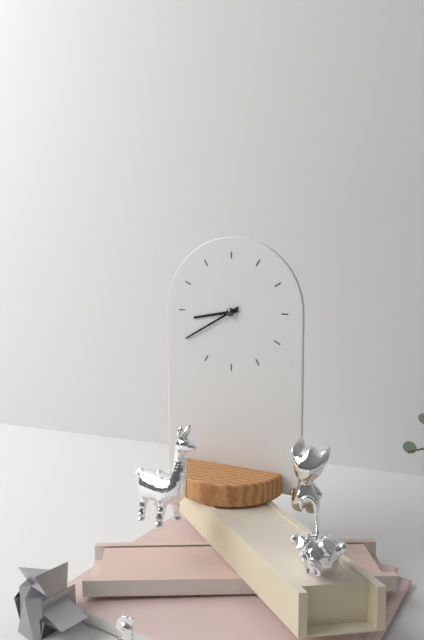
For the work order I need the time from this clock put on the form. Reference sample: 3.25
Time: 8.40
